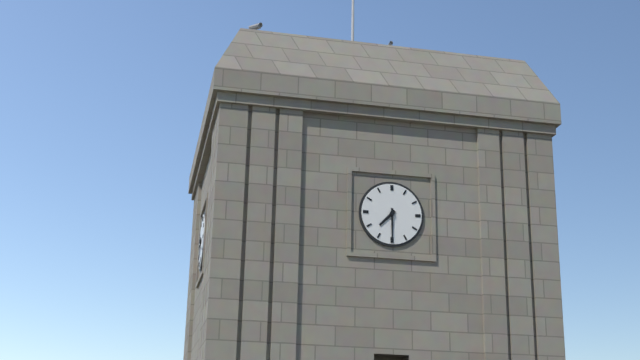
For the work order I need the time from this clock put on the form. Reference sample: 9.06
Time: 7.30
